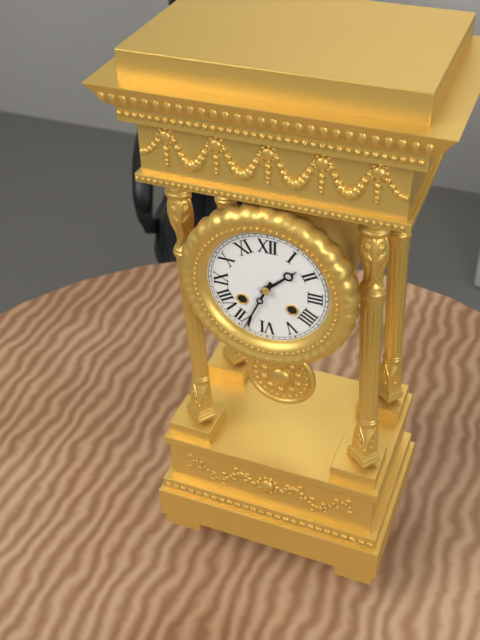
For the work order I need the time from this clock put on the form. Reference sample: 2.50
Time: 1.34
